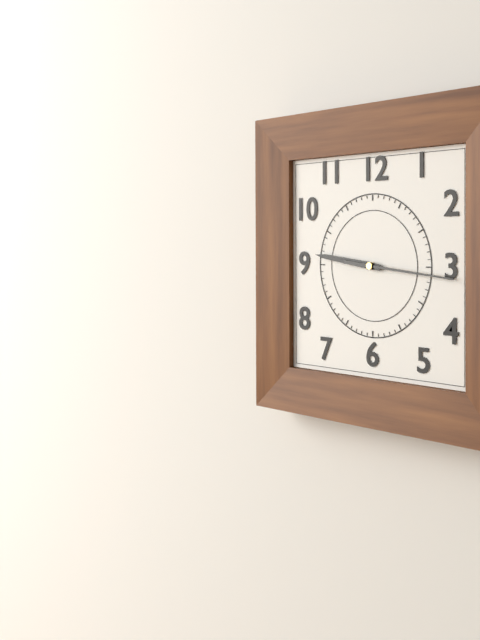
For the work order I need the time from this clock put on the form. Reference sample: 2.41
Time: 9.16
